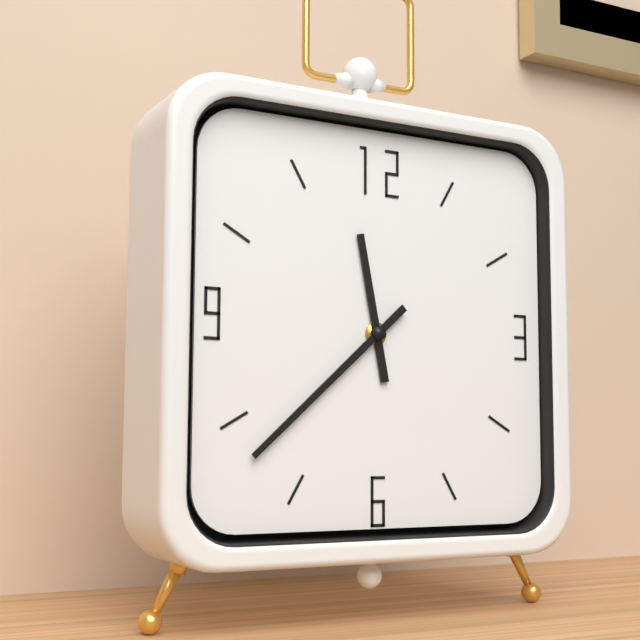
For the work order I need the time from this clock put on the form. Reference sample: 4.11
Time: 11.38
